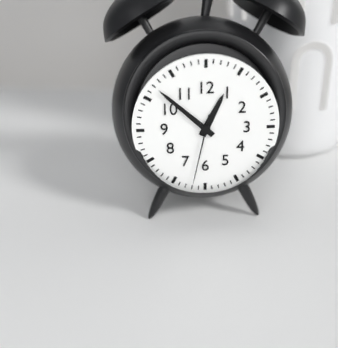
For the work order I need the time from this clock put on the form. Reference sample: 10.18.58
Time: 12.52.32
